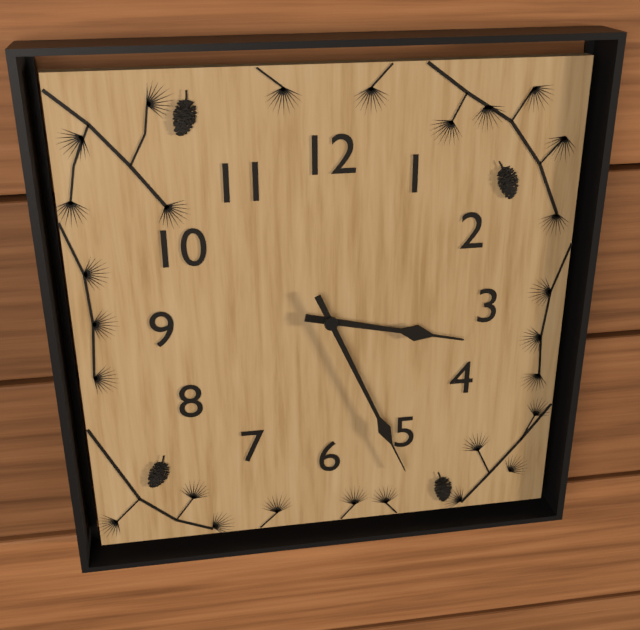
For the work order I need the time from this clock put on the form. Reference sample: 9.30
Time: 3.26
